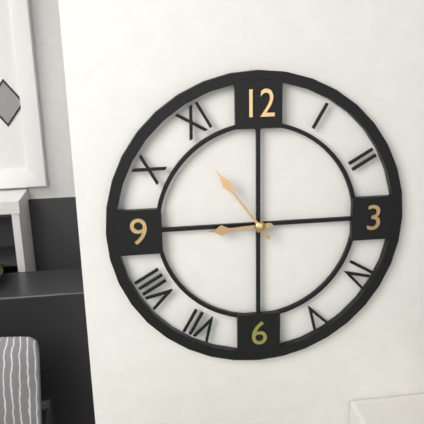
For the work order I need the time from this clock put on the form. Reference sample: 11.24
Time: 8.54
